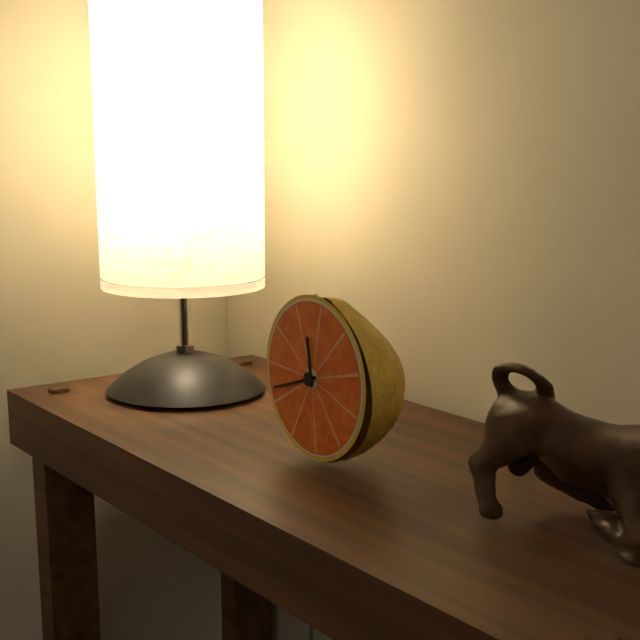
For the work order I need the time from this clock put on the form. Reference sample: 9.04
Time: 11.42
